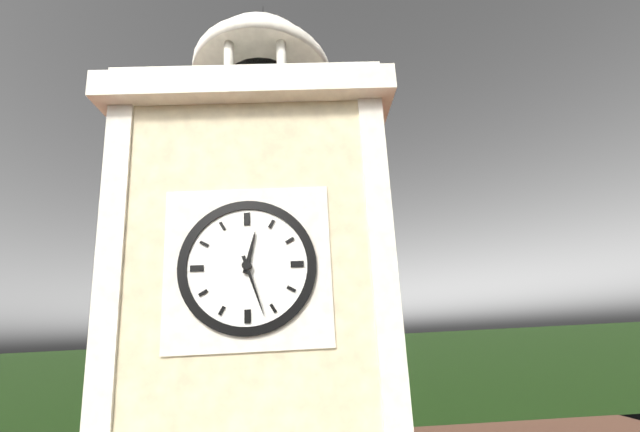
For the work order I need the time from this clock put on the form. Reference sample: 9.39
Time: 12.27
